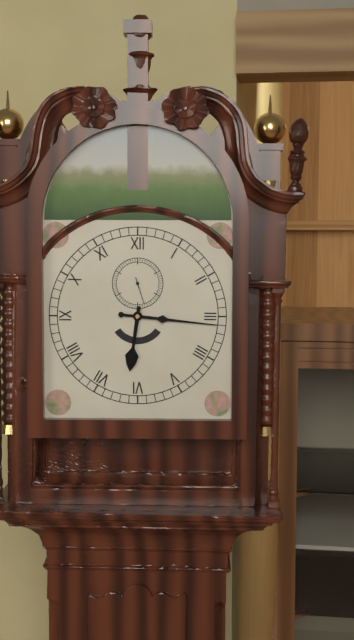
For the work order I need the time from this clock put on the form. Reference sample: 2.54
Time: 6.16
